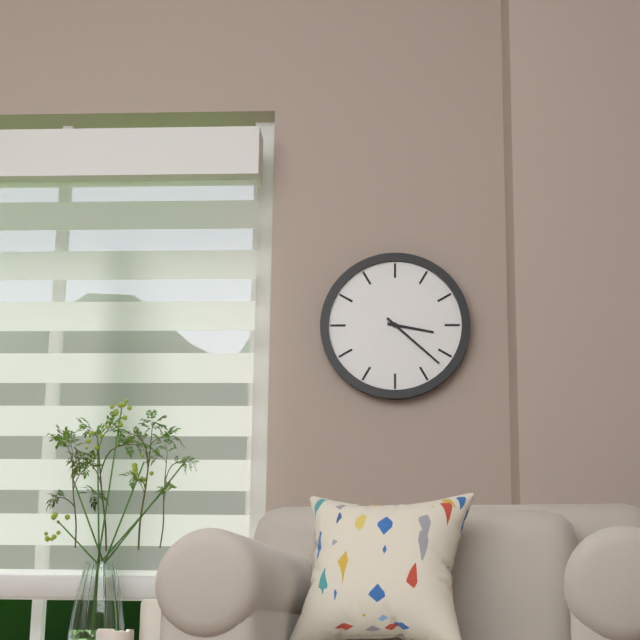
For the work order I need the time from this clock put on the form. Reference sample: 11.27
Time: 3.22
